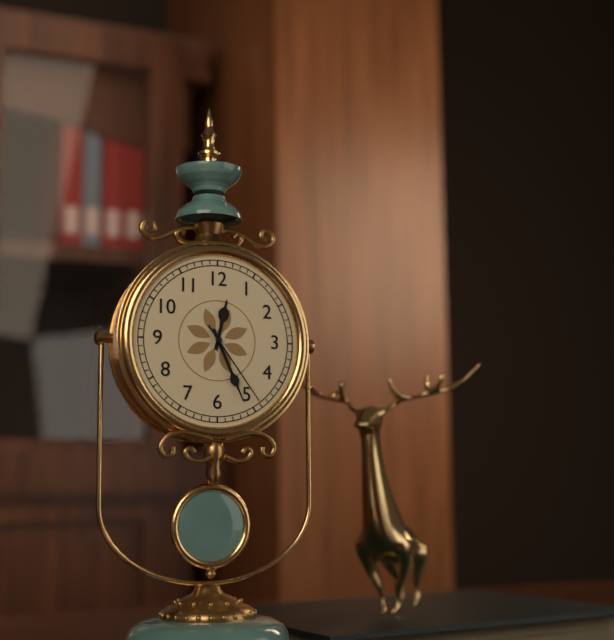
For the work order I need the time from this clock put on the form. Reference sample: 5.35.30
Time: 12.26.24
